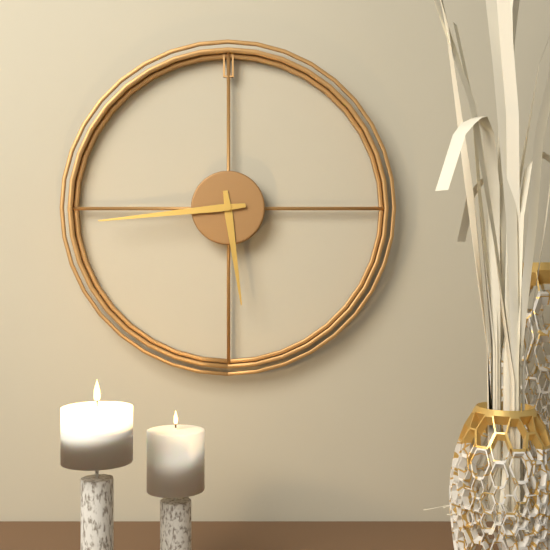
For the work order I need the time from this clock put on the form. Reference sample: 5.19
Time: 5.44
